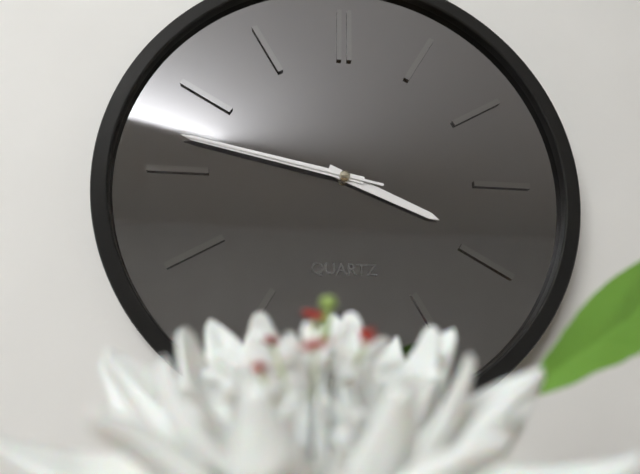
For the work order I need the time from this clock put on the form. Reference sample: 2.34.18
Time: 3.47.47
